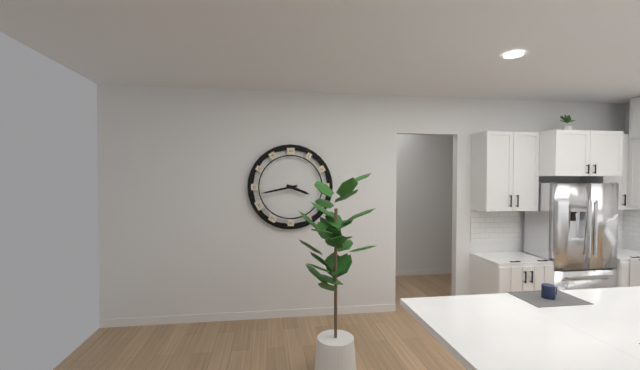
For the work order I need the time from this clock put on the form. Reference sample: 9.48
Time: 3.43
